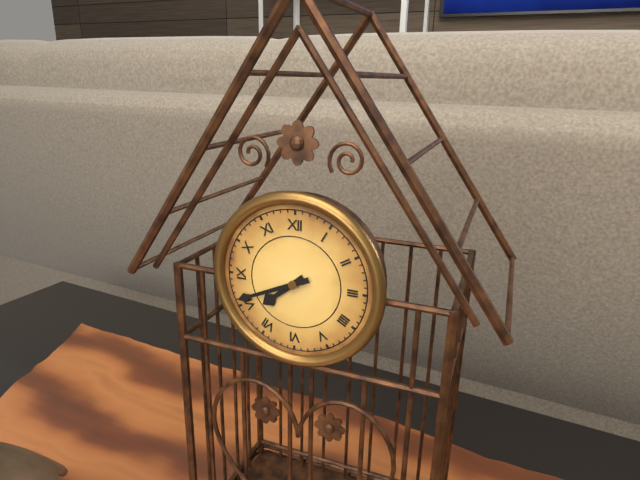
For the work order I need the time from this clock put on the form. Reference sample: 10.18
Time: 7.41
